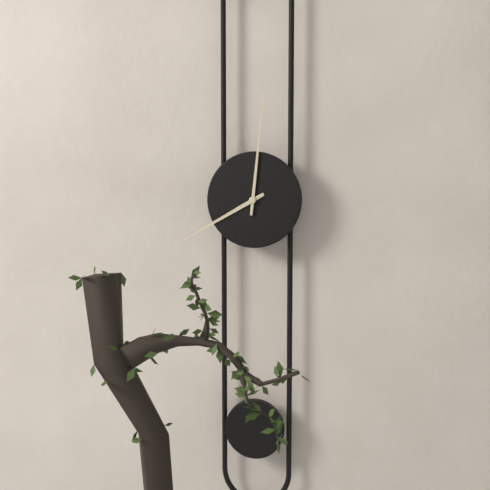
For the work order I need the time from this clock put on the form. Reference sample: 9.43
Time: 8.01
